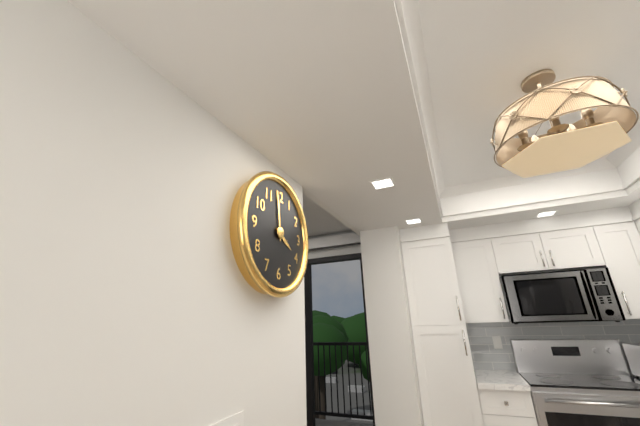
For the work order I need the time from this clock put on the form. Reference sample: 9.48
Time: 3.59
